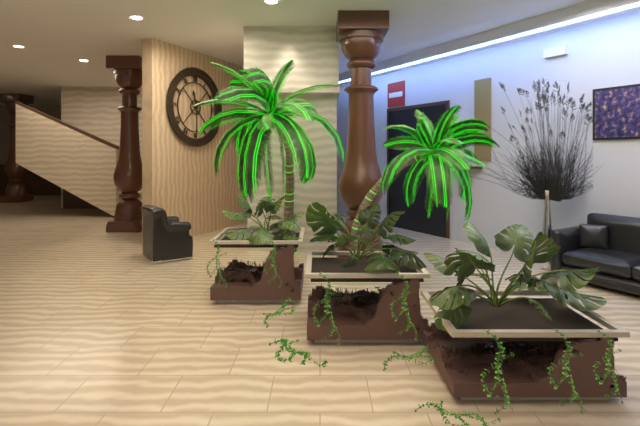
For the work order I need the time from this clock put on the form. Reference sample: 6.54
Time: 11.30
